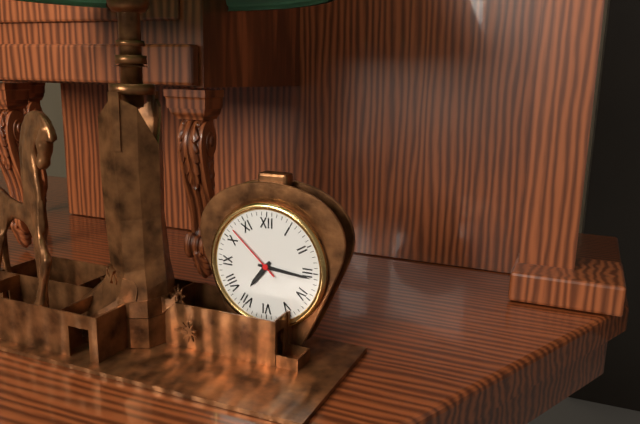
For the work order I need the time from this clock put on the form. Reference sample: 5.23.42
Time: 7.16.52
